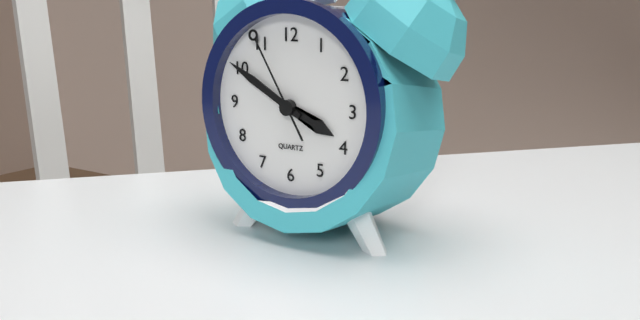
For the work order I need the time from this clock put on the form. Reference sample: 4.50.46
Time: 3.50.55
